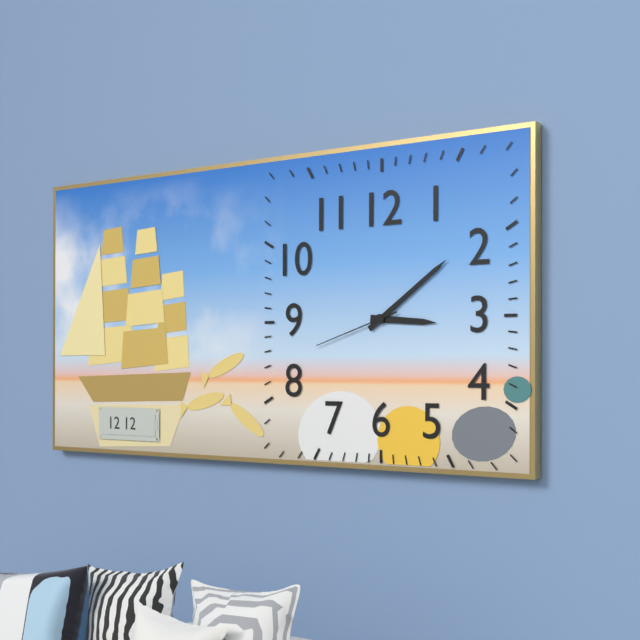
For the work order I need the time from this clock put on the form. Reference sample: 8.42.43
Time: 3.09.42
